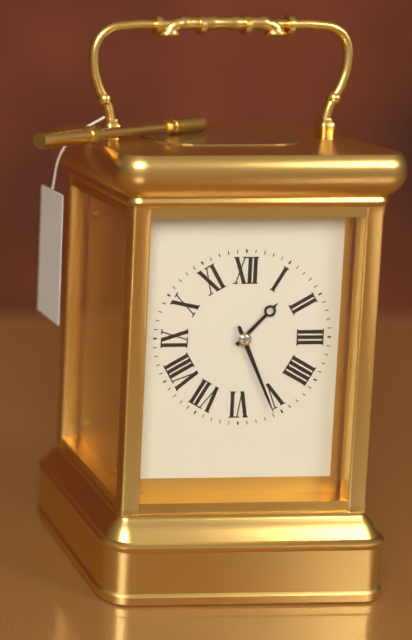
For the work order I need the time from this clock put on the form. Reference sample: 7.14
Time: 1.26
